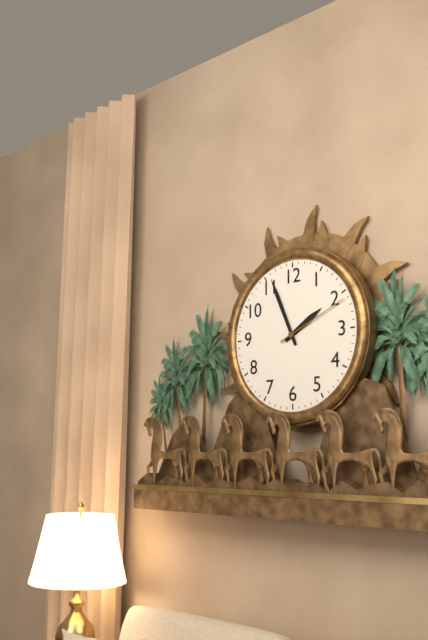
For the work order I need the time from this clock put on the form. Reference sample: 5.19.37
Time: 1.56.11
